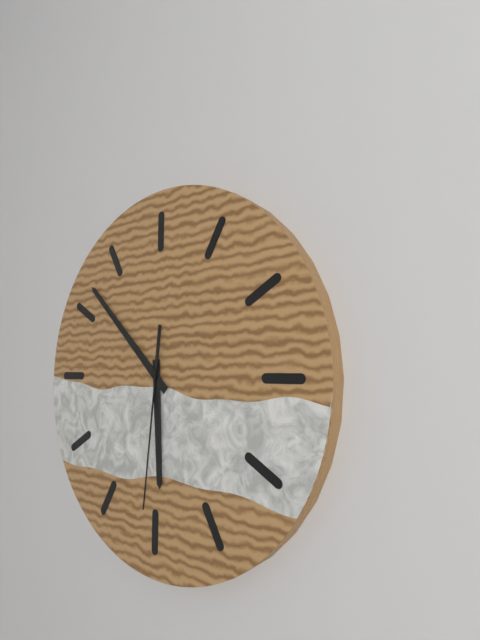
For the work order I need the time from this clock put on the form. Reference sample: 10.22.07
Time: 5.52.31
